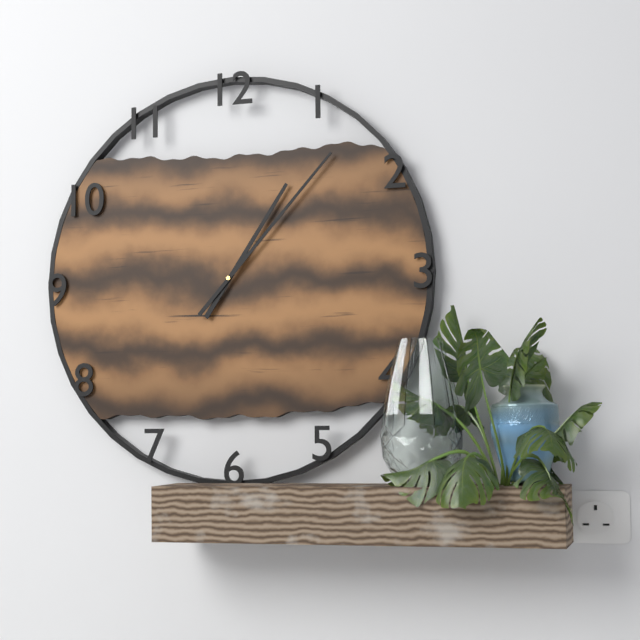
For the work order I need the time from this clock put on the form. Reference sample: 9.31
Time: 1.07
